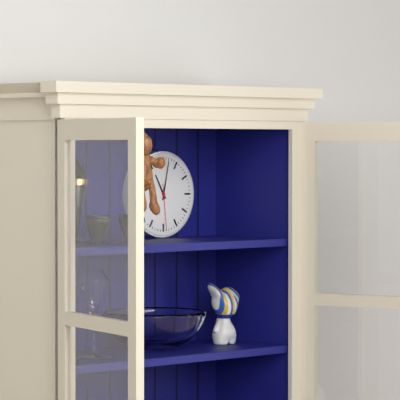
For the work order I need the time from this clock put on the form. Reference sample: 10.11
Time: 11.02
